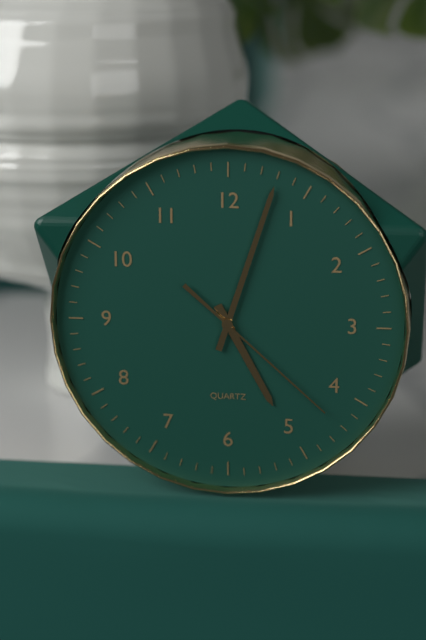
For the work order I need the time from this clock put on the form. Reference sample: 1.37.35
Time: 5.03.22
